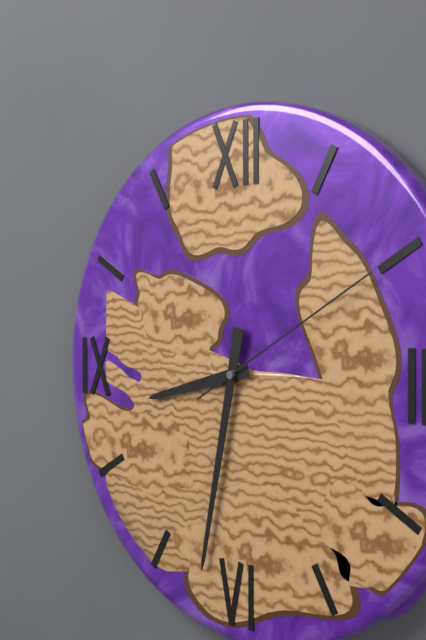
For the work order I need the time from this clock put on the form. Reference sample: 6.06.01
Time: 8.32.10
